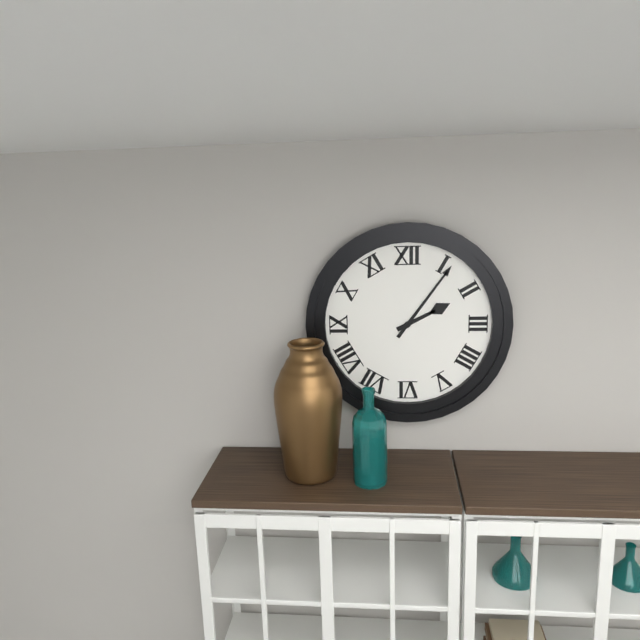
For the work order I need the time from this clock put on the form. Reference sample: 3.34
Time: 2.06
